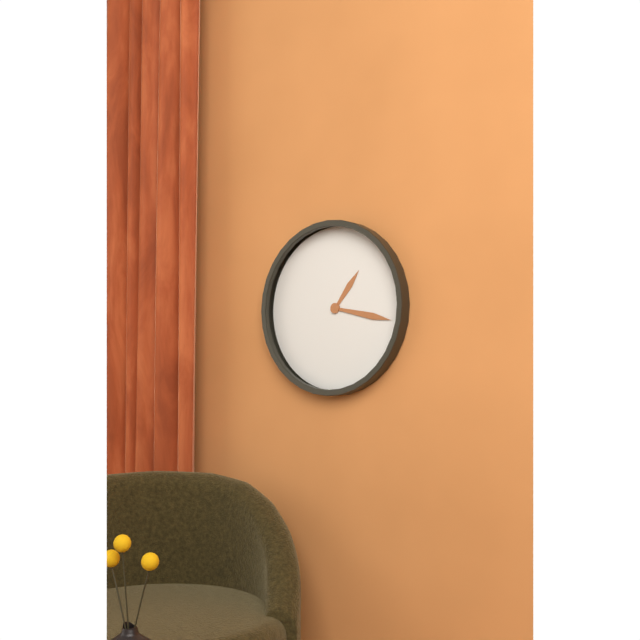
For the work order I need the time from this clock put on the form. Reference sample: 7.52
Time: 1.17
